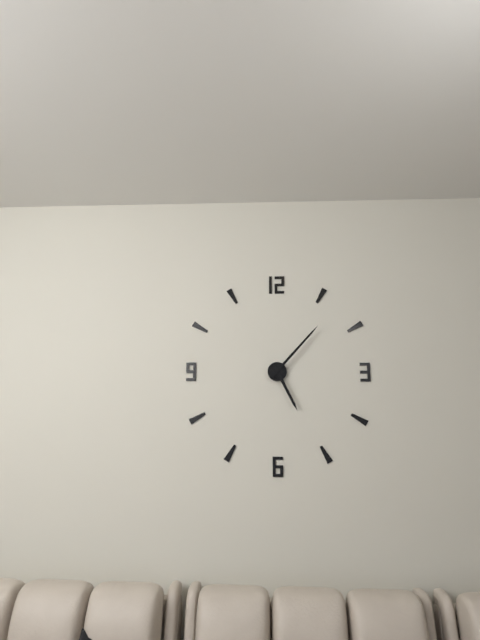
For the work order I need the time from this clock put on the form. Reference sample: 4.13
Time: 5.07
